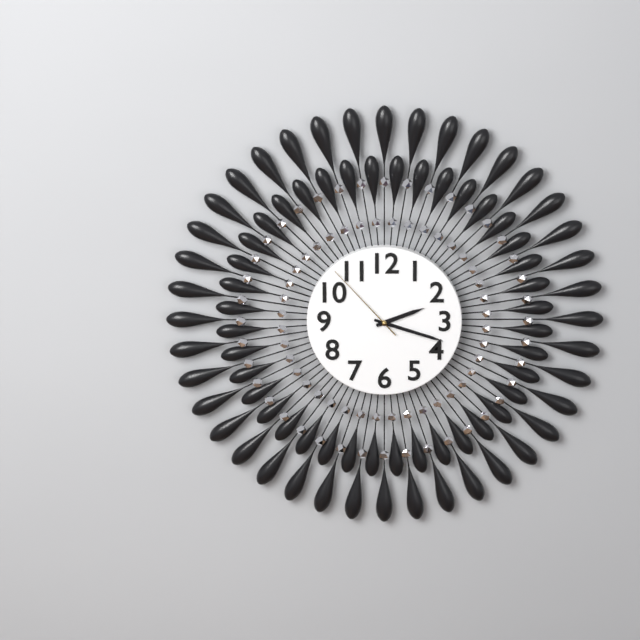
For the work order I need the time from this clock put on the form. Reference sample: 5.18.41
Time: 2.18.53
